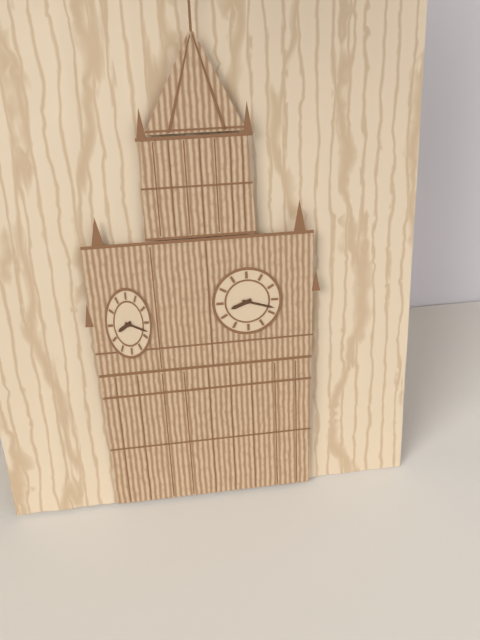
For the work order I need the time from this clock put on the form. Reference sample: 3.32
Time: 8.18
